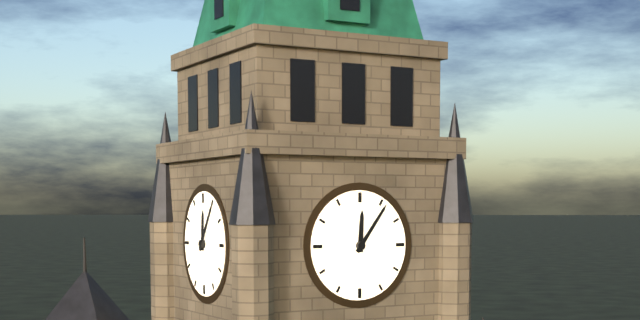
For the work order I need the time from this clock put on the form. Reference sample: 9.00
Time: 12.06
